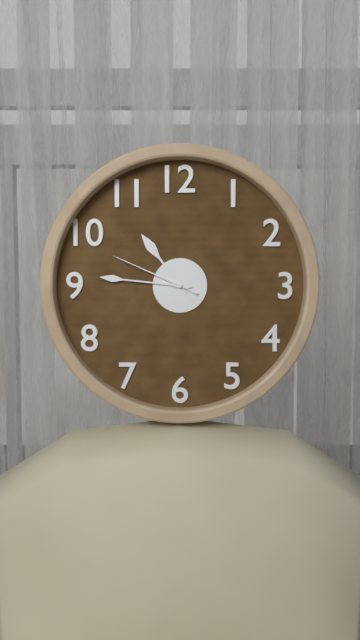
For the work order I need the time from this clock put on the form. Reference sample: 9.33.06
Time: 10.46.49
